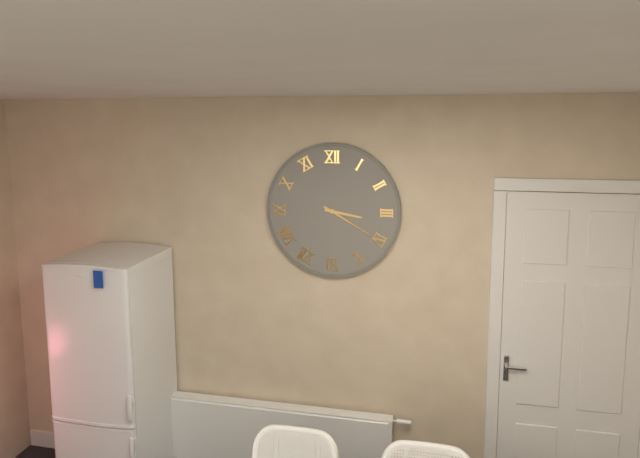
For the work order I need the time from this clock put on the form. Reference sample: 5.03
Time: 3.20
